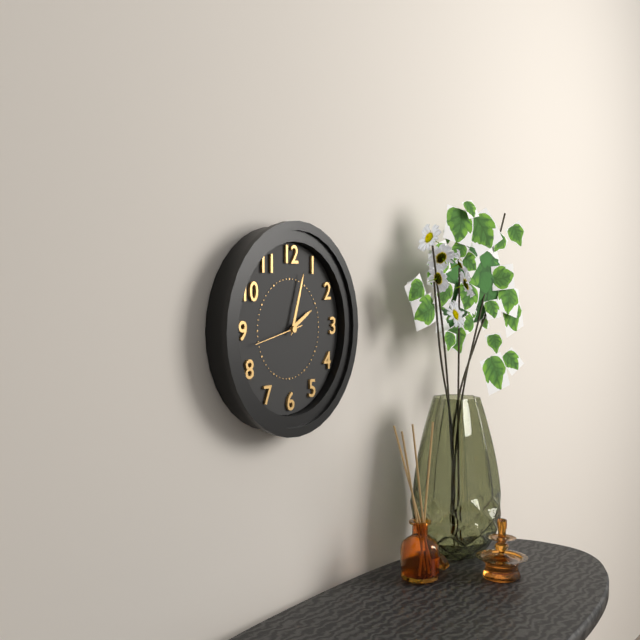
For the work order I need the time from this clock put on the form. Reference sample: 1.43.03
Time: 2.03.43
